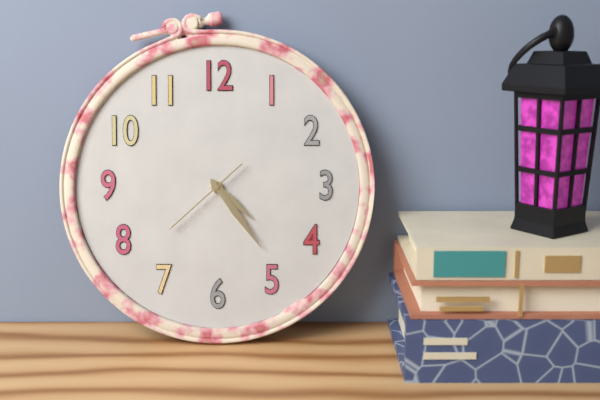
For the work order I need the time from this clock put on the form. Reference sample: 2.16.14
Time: 4.24.38
